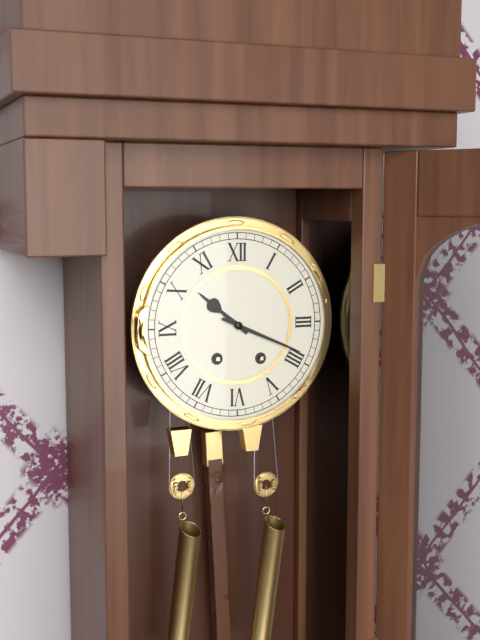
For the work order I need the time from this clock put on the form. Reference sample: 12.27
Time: 10.19
